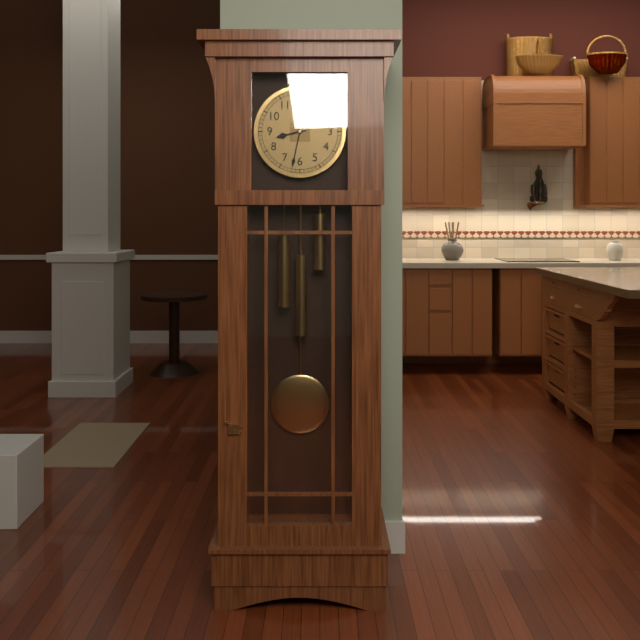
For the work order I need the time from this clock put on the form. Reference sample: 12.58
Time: 8.32
